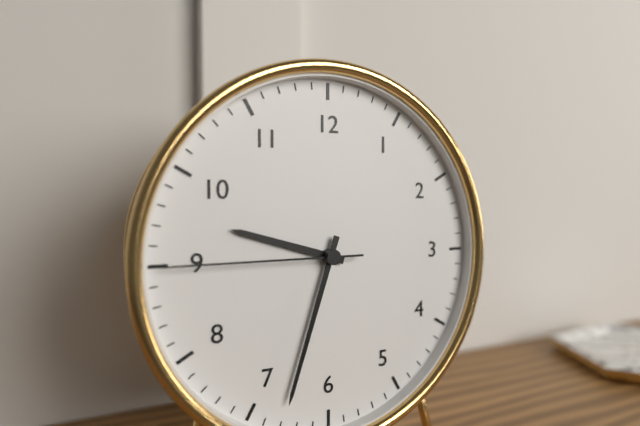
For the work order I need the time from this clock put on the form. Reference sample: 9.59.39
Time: 9.33.45
